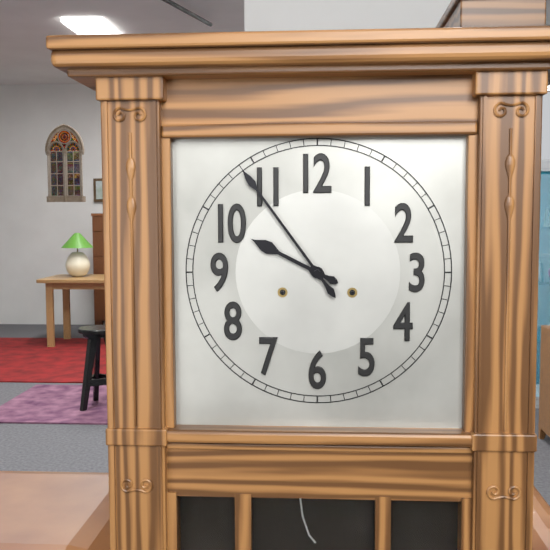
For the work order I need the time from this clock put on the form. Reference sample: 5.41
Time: 9.54
